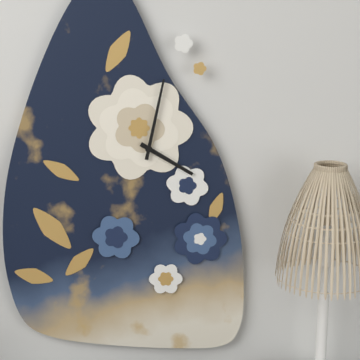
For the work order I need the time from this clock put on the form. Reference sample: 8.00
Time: 4.02
